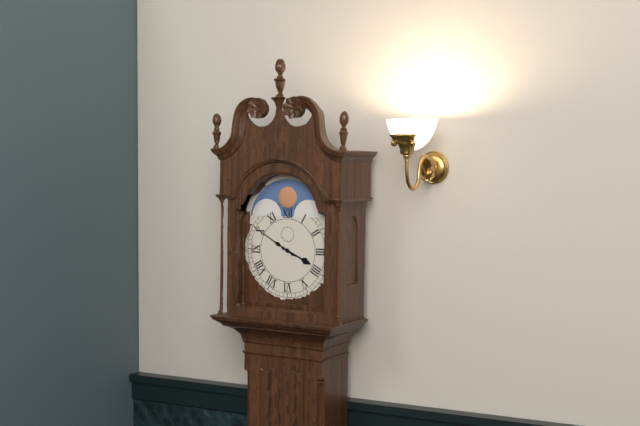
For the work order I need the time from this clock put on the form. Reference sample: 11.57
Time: 3.50
